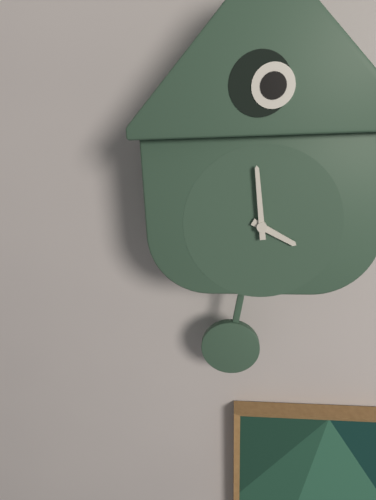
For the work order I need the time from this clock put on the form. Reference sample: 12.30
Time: 3.59
